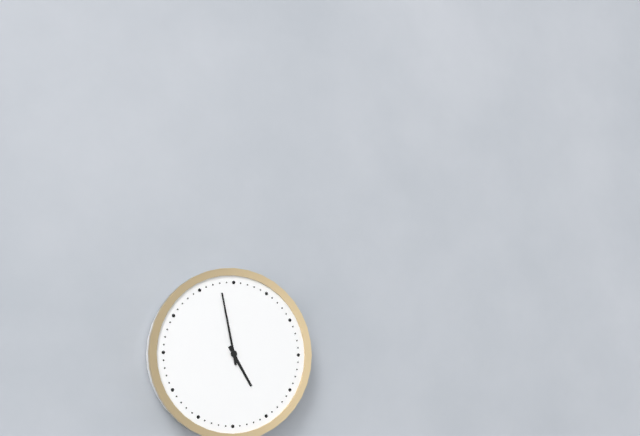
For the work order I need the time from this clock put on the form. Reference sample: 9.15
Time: 4.58
